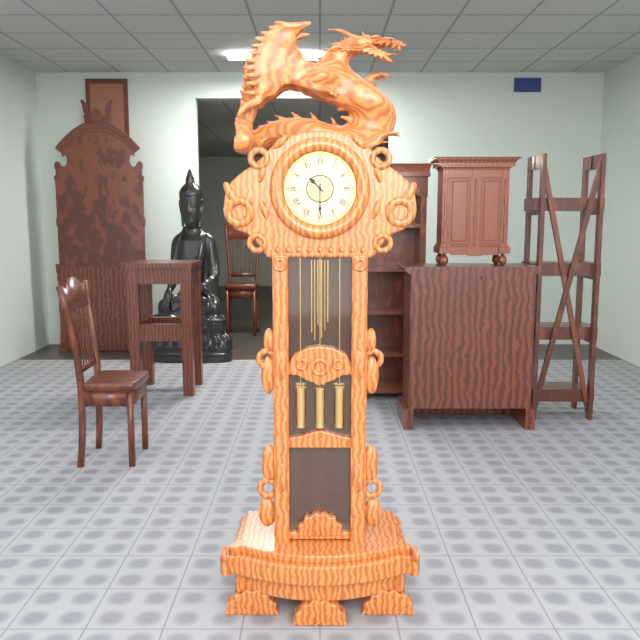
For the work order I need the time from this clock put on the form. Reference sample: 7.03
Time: 10.30
